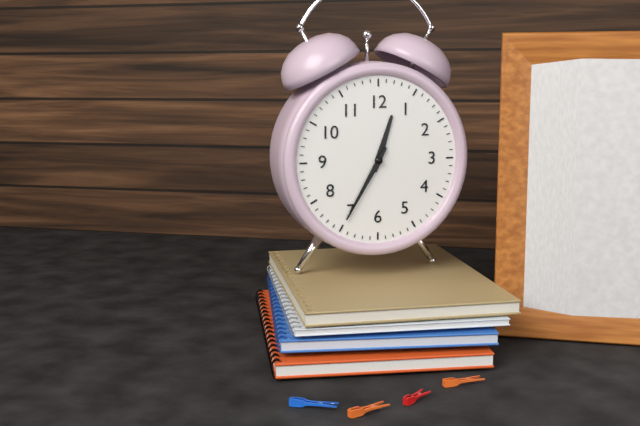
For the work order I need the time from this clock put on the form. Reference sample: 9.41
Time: 12.35
